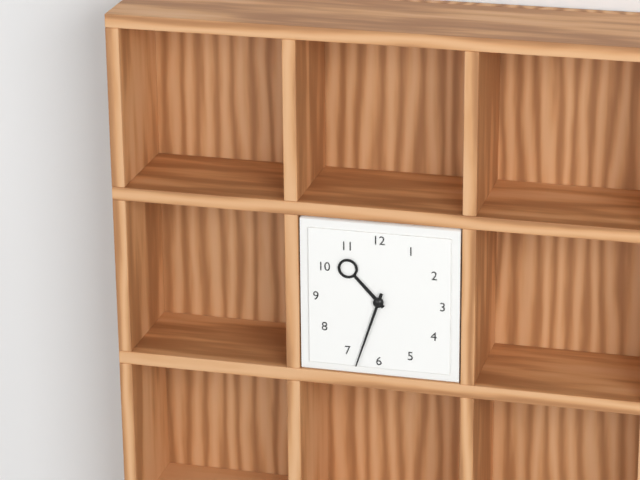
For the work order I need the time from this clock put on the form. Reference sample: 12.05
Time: 10.33
